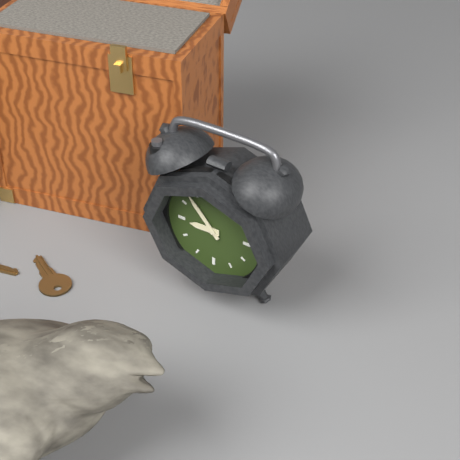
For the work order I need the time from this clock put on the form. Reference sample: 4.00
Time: 8.53
